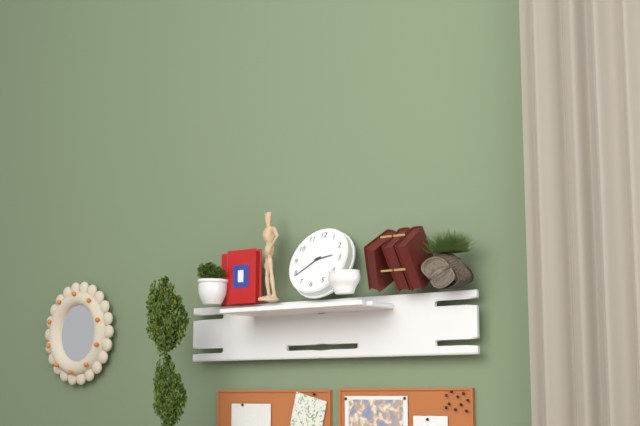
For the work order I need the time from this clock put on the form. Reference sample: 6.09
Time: 2.39
